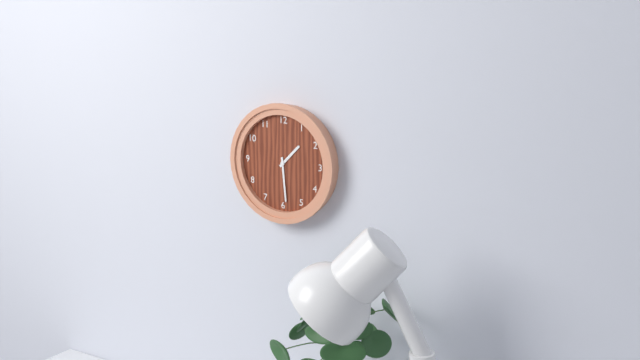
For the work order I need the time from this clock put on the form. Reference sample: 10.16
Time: 1.29
